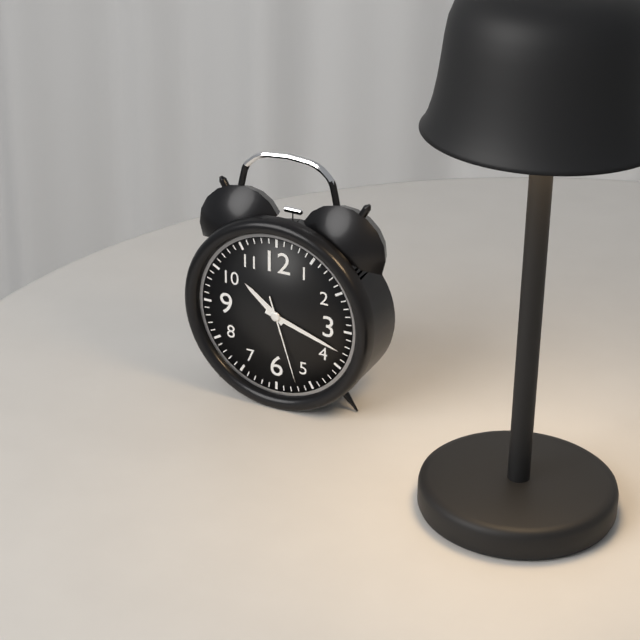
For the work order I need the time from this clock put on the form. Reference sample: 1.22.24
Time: 10.18.27
